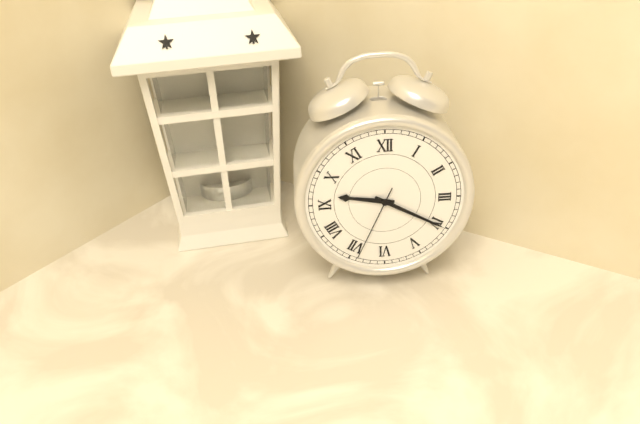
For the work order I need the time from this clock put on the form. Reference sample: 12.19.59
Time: 9.20.34
